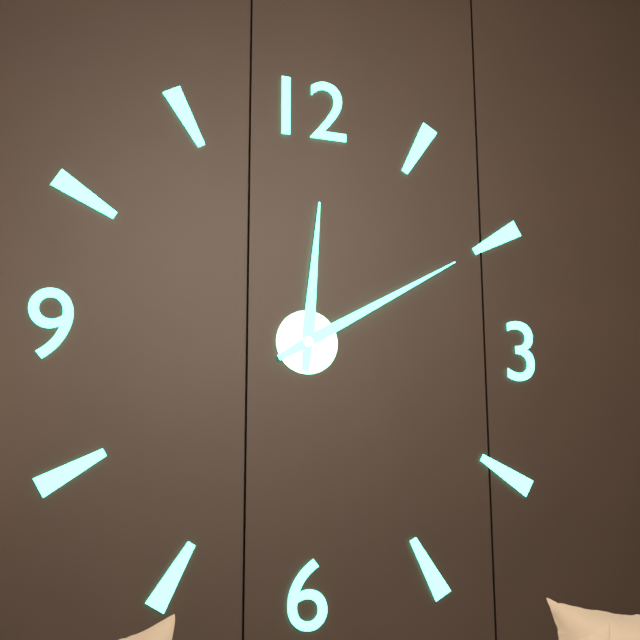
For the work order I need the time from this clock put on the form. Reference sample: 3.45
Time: 12.10
